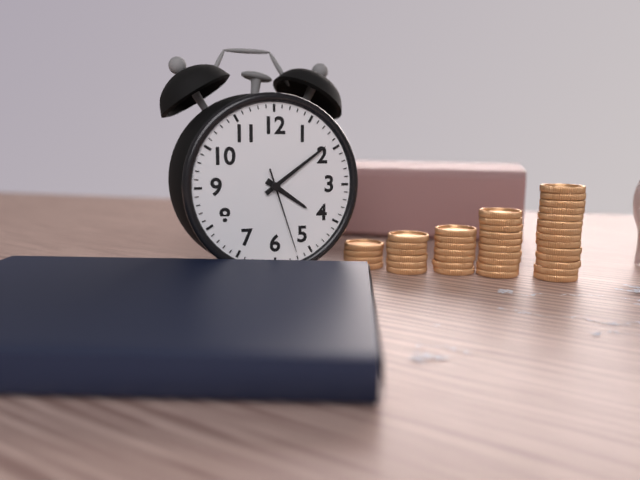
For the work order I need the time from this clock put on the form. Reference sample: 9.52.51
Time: 4.09.27
